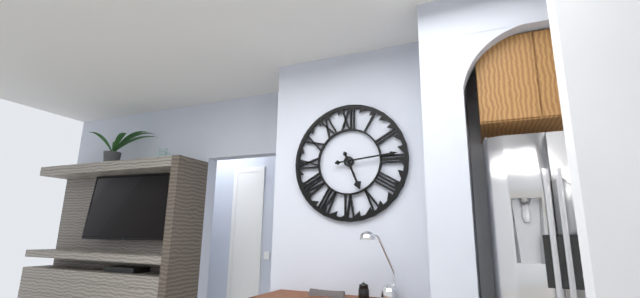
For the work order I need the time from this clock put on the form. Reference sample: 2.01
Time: 5.14
